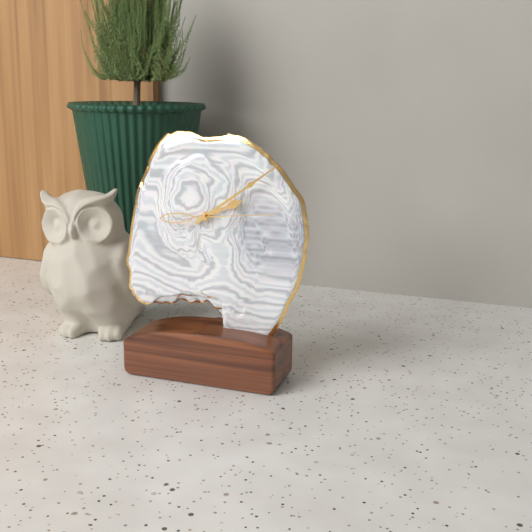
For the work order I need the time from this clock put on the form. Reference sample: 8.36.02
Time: 2.09.14
